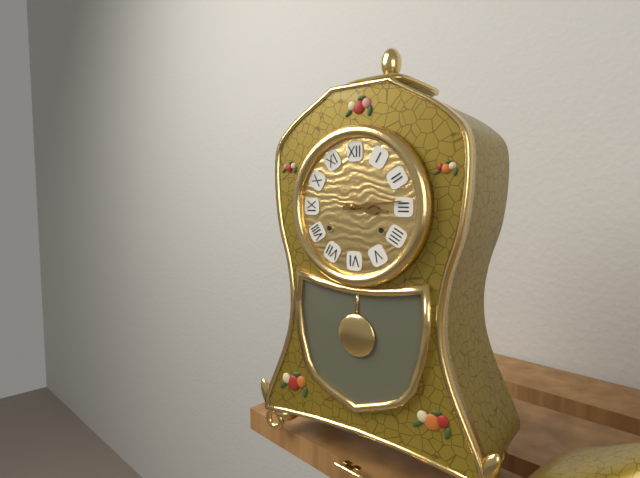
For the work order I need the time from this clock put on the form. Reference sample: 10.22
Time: 3.14
